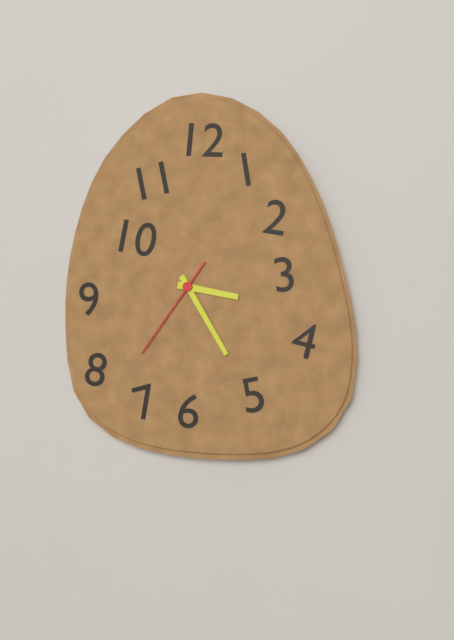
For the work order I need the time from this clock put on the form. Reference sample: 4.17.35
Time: 3.25.36
